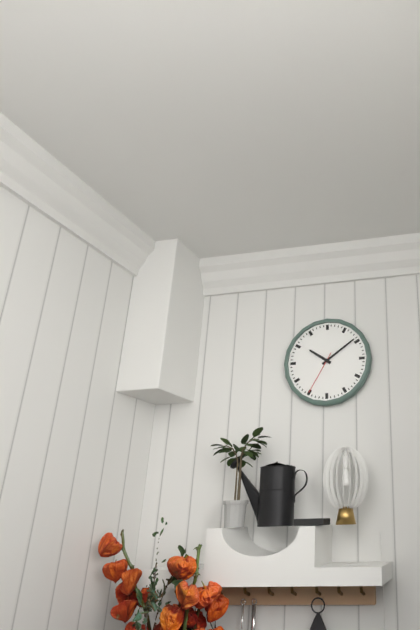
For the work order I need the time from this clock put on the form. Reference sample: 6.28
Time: 10.09
